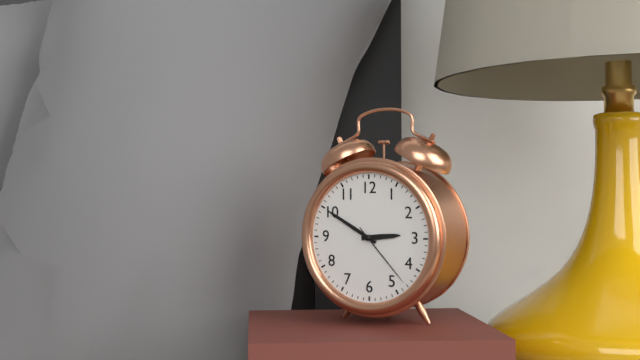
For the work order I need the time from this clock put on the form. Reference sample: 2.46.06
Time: 2.50.23
